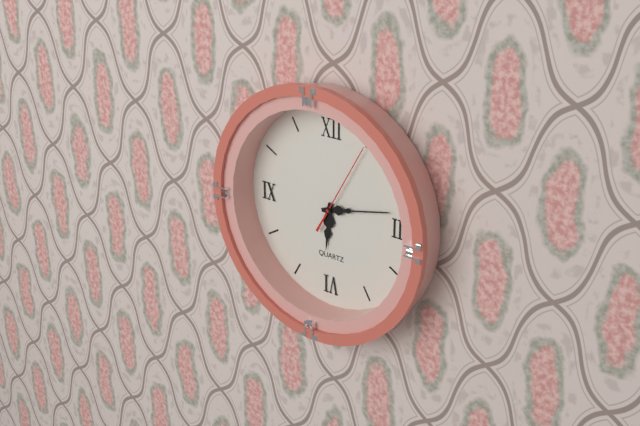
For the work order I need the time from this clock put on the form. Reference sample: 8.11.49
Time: 6.13.05
